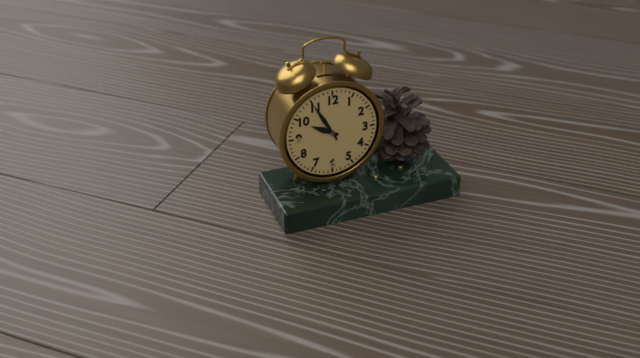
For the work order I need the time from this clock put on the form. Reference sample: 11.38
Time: 9.55
